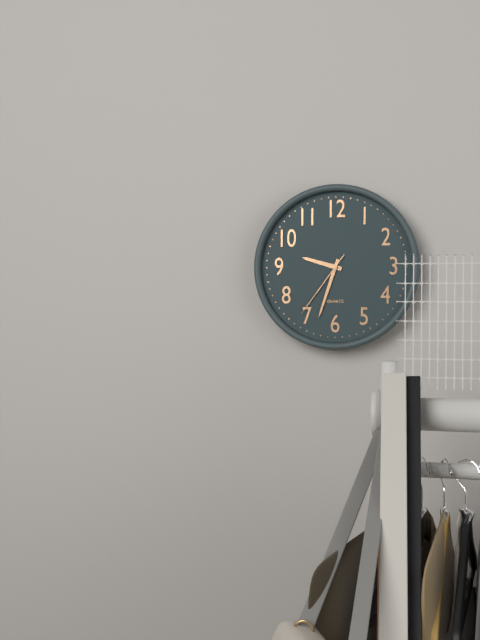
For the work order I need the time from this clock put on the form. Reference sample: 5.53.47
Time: 9.33.36
